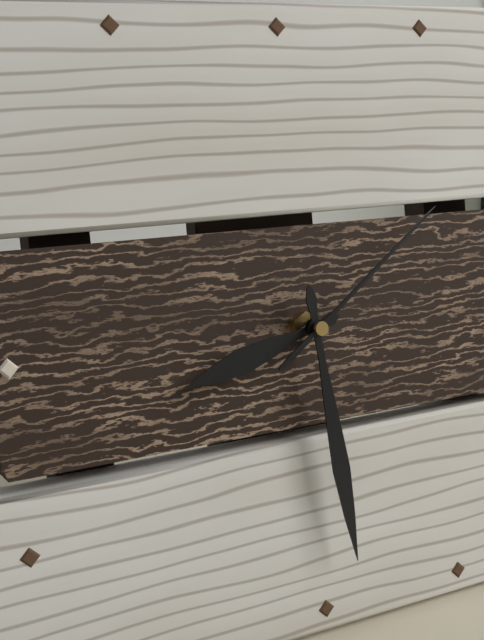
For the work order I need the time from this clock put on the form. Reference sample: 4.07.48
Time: 8.29.09
